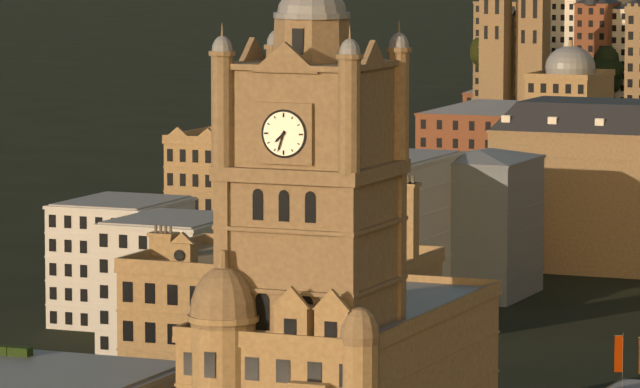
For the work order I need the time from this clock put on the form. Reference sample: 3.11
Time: 7.33
